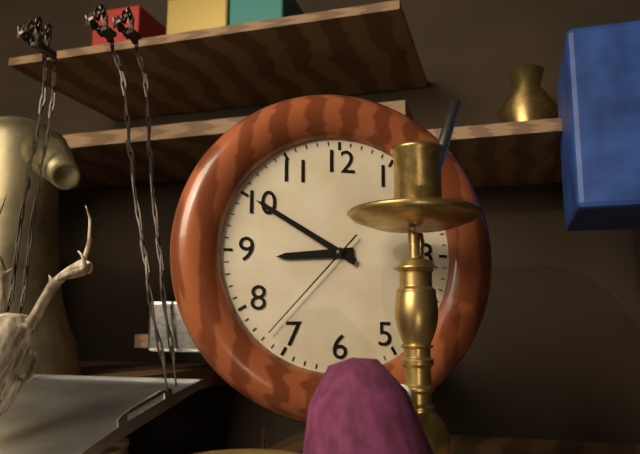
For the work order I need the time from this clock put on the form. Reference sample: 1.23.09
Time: 8.50.37
